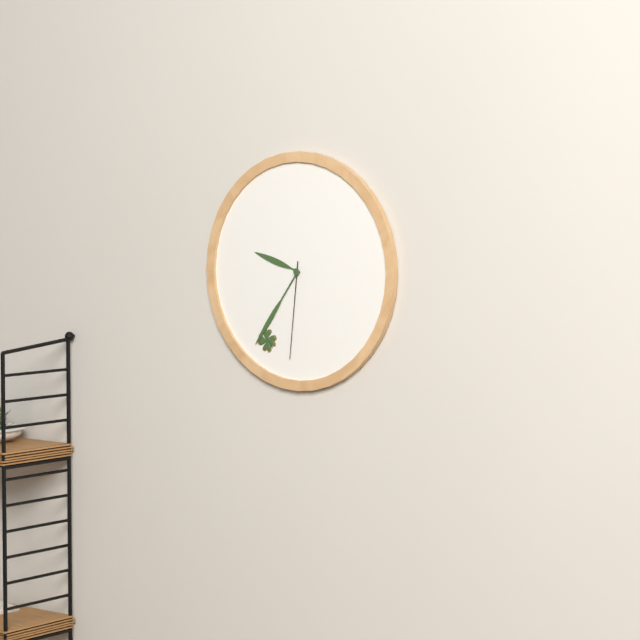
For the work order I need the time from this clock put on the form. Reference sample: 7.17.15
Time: 9.36.31
